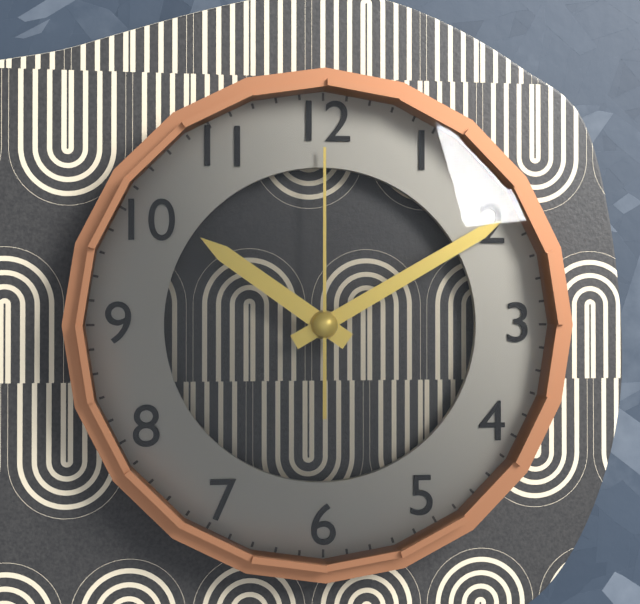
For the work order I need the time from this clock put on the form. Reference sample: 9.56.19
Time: 10.10.00
